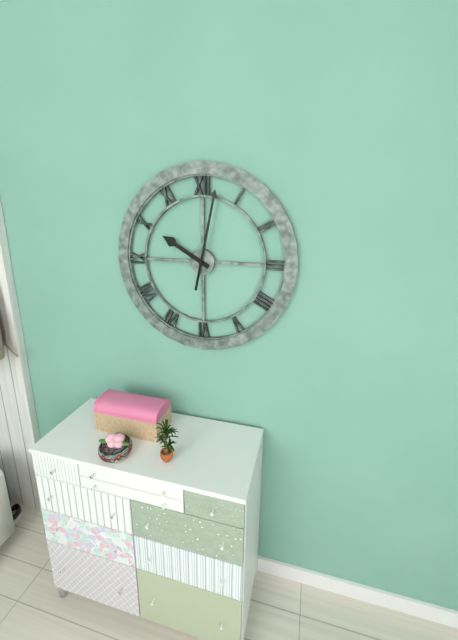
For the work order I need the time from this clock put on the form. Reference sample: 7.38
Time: 10.02
